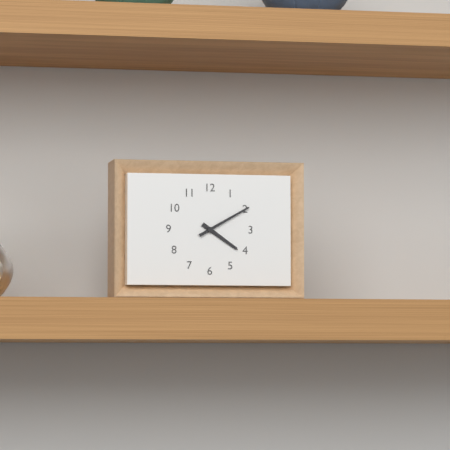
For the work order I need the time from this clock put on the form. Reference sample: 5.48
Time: 4.10
